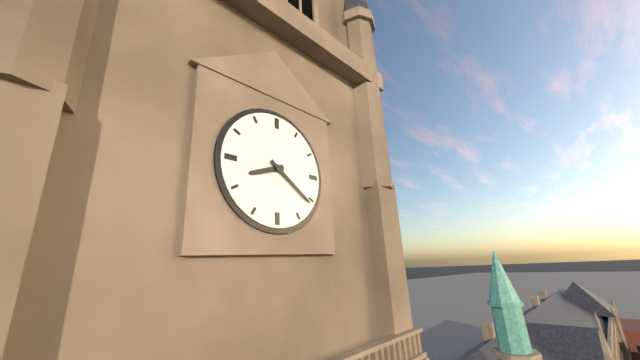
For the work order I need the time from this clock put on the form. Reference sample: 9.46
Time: 8.21
